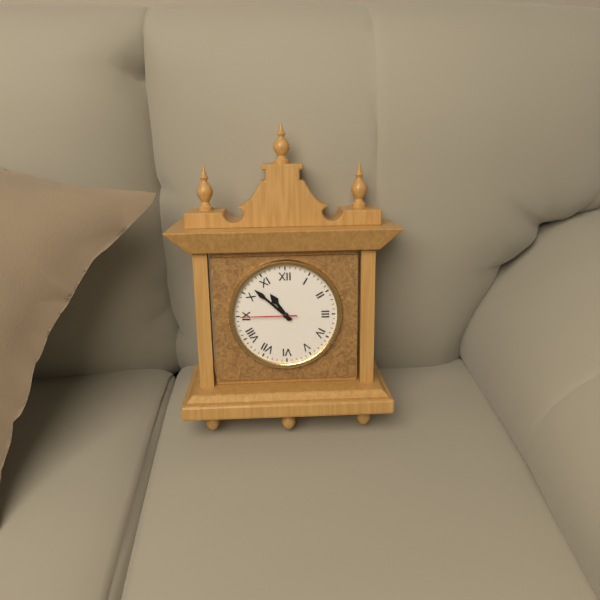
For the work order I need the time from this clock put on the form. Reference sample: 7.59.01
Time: 10.52.45
